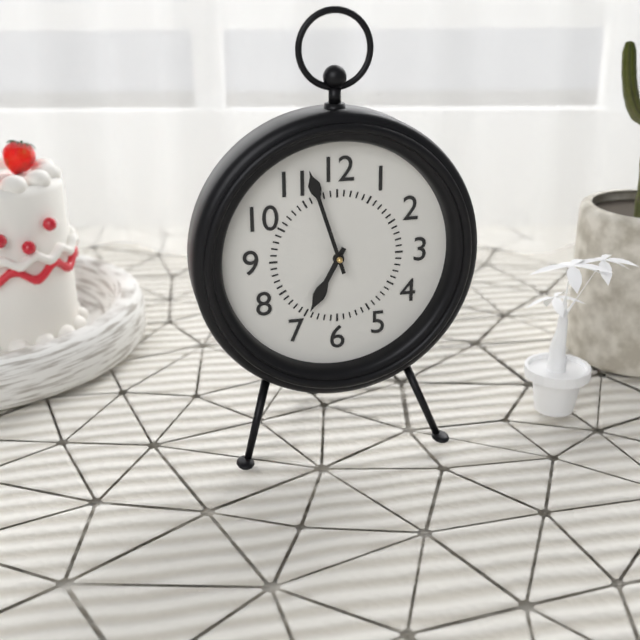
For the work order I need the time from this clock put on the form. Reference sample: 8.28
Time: 6.57
